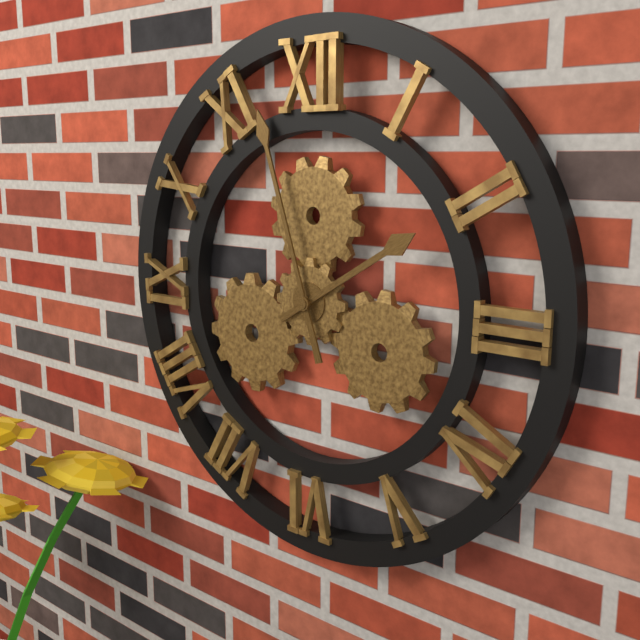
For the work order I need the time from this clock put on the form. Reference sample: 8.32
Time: 1.57
